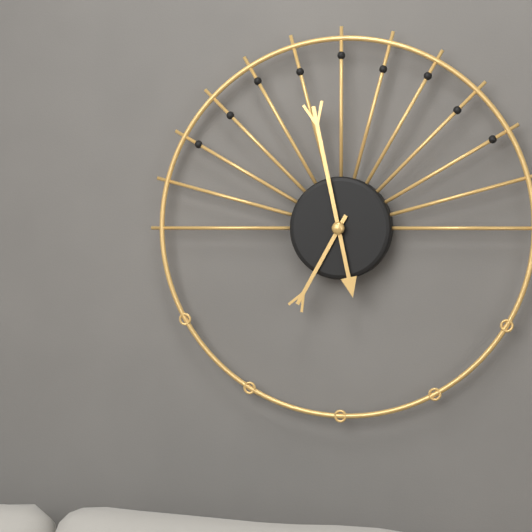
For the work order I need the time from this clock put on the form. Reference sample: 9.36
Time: 6.58
